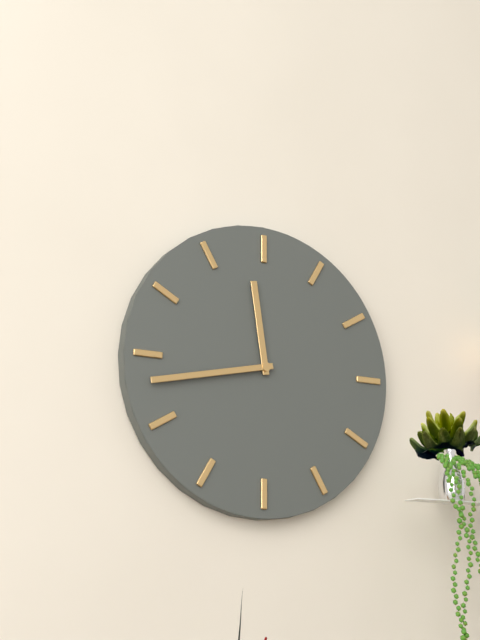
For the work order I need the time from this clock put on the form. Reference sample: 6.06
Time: 11.43
